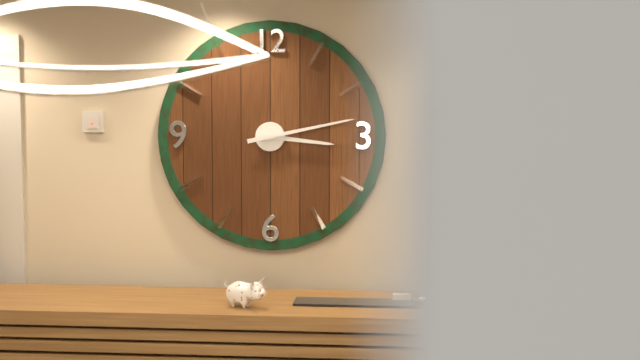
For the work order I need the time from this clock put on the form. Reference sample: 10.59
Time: 3.13
